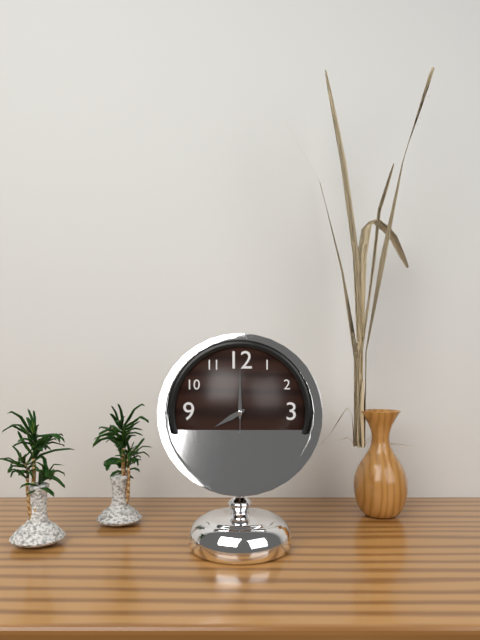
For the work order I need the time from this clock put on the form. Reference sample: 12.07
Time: 8.00
